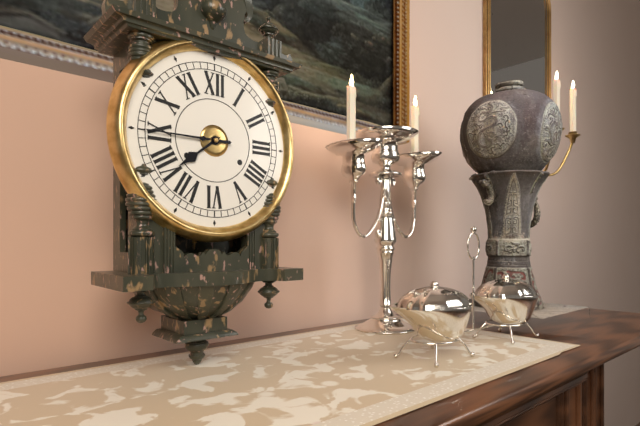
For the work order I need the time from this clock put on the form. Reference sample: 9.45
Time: 7.45
